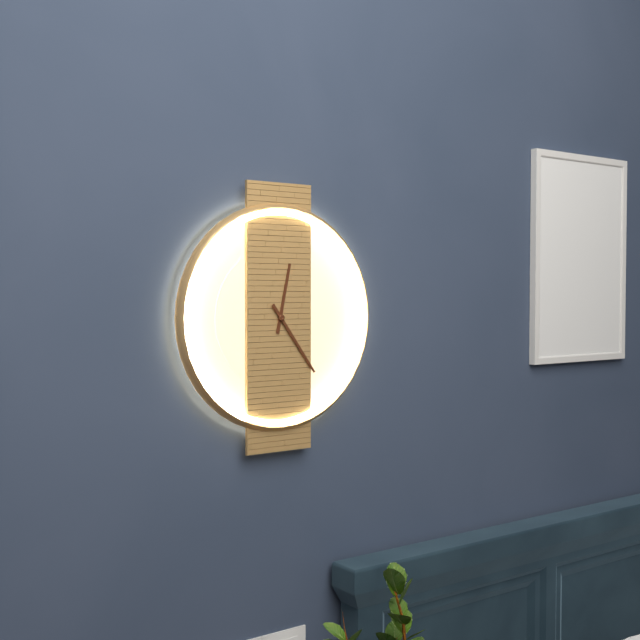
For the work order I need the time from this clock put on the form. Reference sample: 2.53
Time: 12.24
